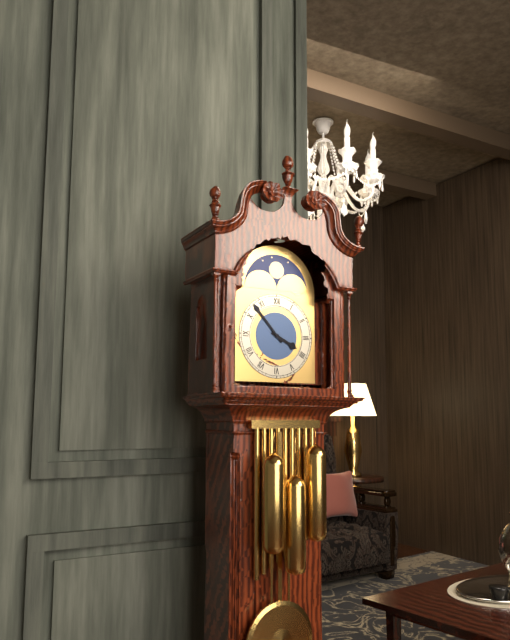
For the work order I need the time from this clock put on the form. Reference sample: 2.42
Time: 3.53
